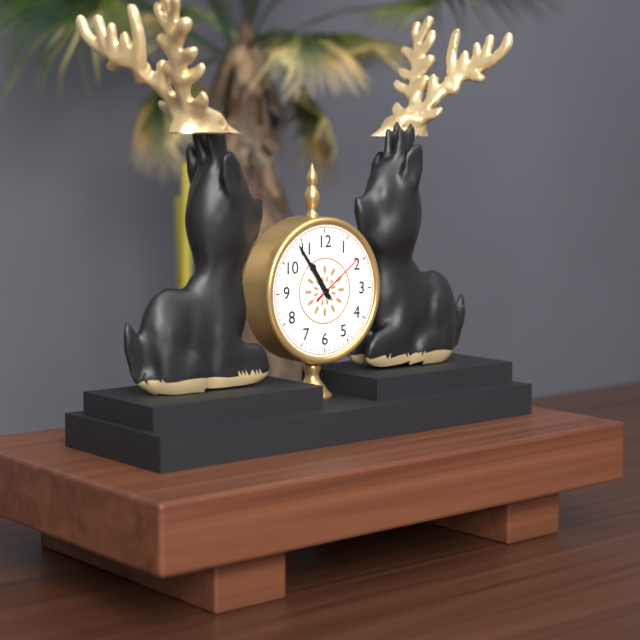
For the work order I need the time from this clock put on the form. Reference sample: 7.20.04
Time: 10.54.09
